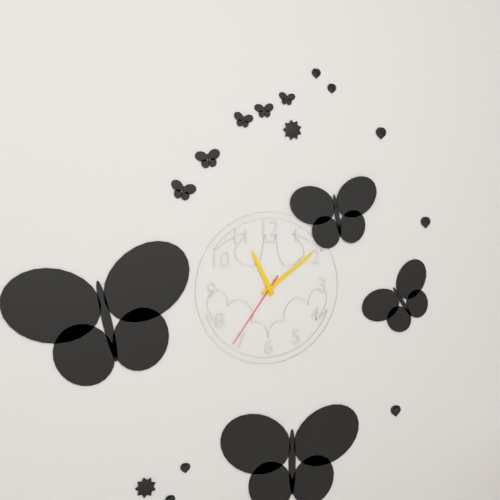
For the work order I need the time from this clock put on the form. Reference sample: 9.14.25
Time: 11.09.36
